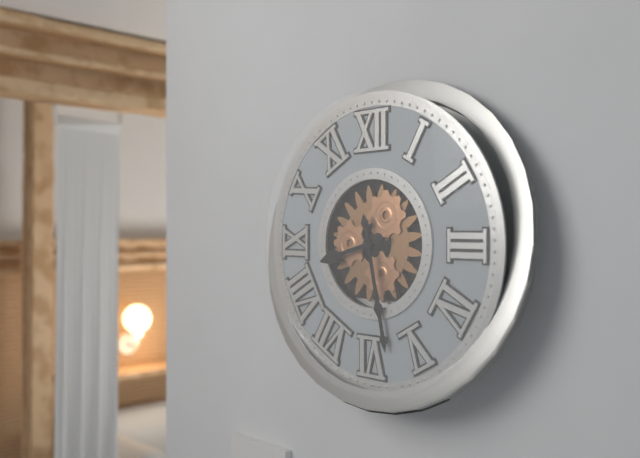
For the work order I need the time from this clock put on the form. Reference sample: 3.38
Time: 8.28
